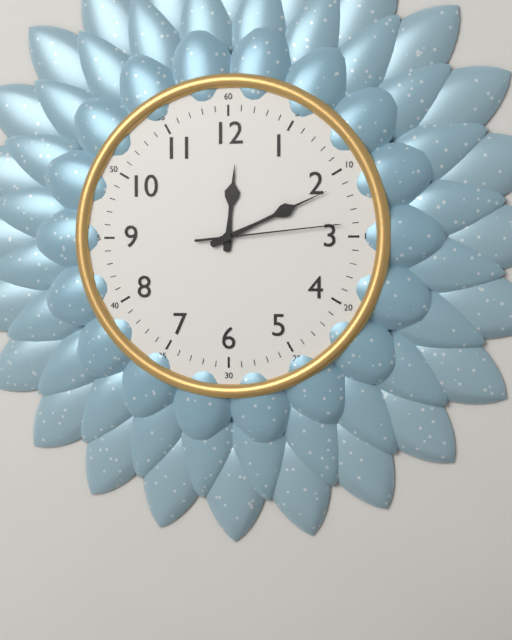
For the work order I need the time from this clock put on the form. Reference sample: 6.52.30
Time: 12.11.14
